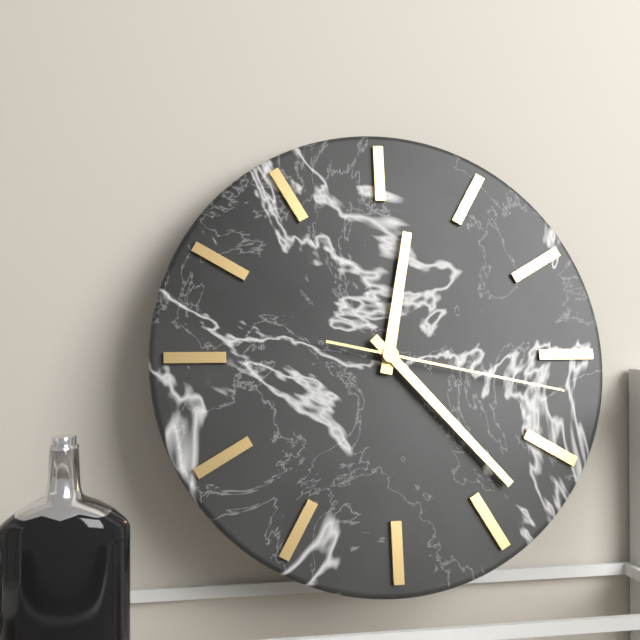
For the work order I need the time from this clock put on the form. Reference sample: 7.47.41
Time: 12.23.17
